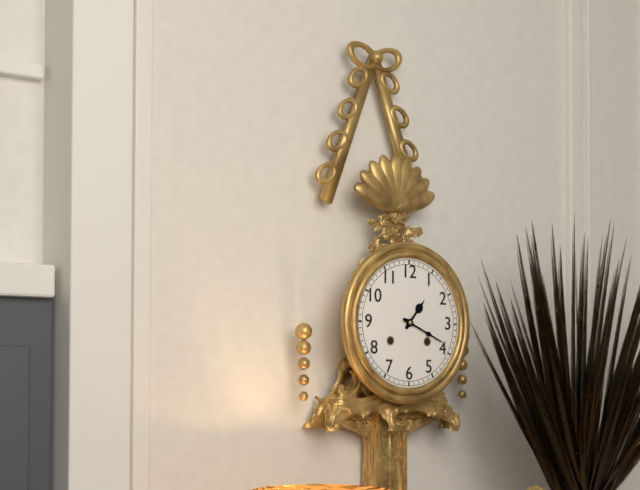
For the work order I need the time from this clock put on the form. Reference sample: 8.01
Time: 1.19
